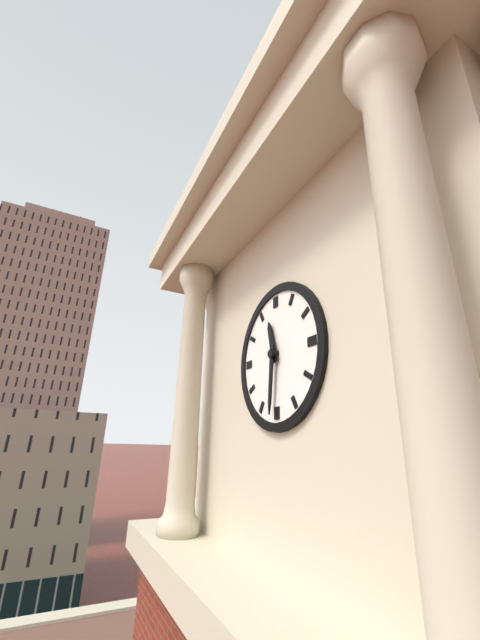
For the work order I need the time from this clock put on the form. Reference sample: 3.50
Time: 11.31
